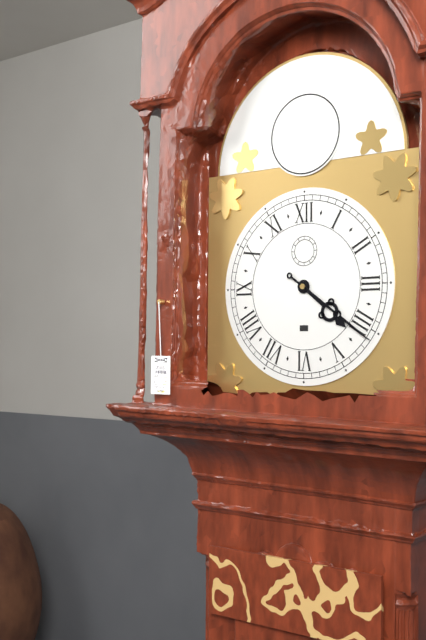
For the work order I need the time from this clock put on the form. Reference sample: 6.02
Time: 4.21
